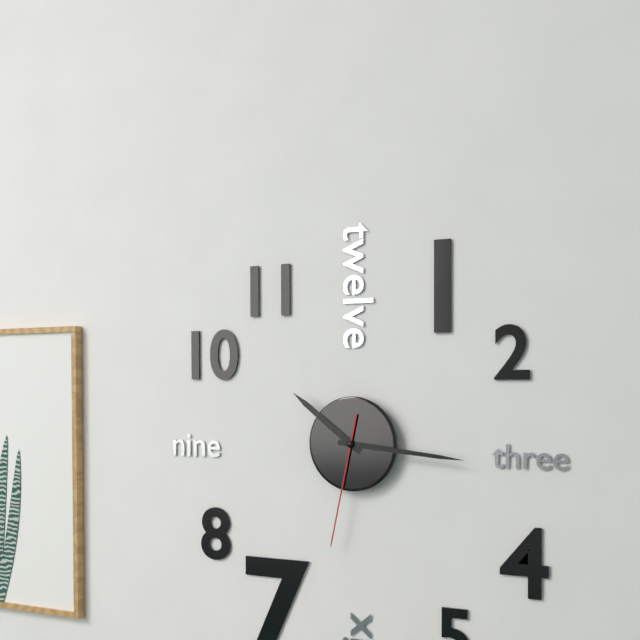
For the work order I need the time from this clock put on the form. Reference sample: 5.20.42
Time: 10.16.32
